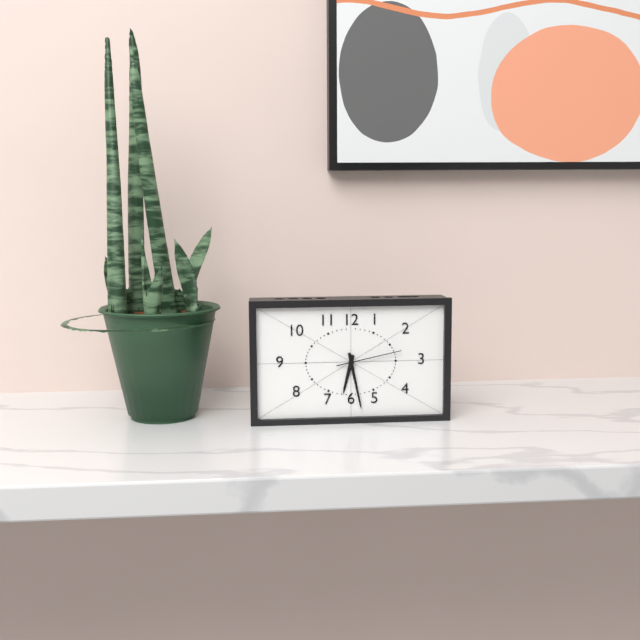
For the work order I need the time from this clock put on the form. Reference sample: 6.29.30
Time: 6.28.13
